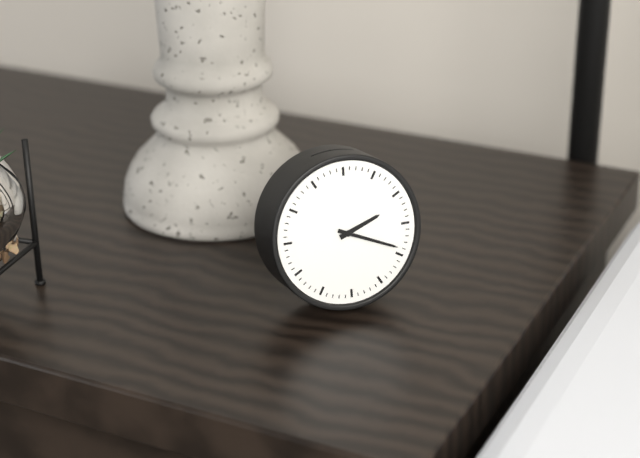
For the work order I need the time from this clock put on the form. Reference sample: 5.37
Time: 2.19
